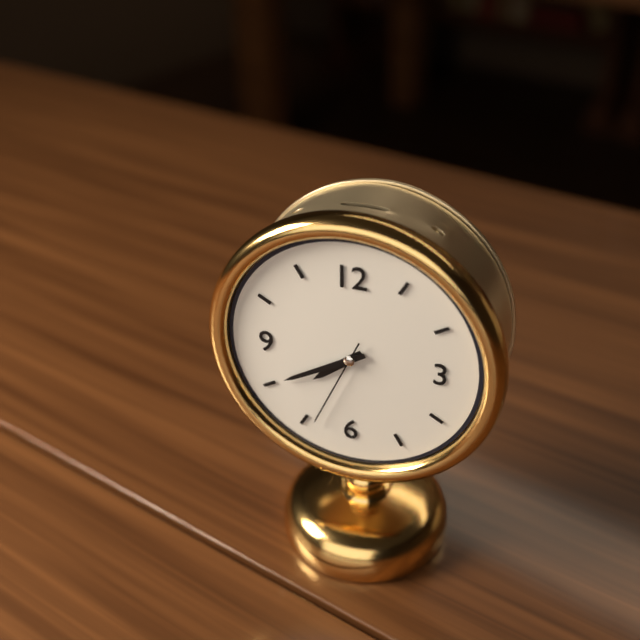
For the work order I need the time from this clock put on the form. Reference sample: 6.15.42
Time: 7.40.34
